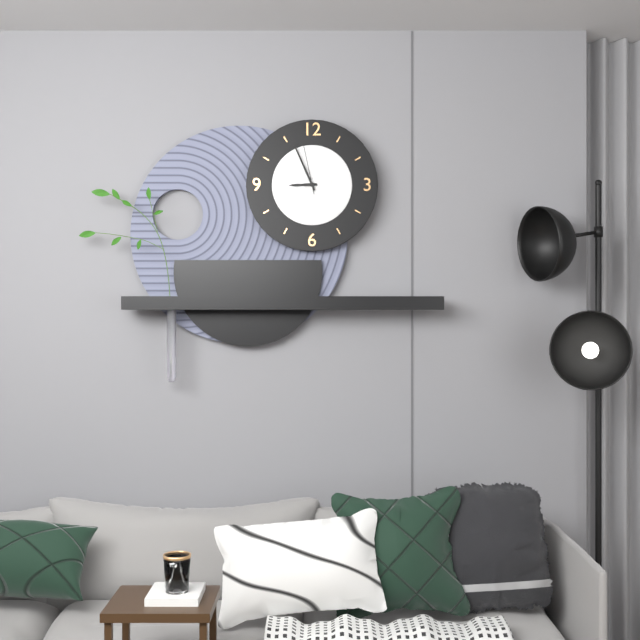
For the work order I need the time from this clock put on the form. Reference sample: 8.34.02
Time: 8.56.58
